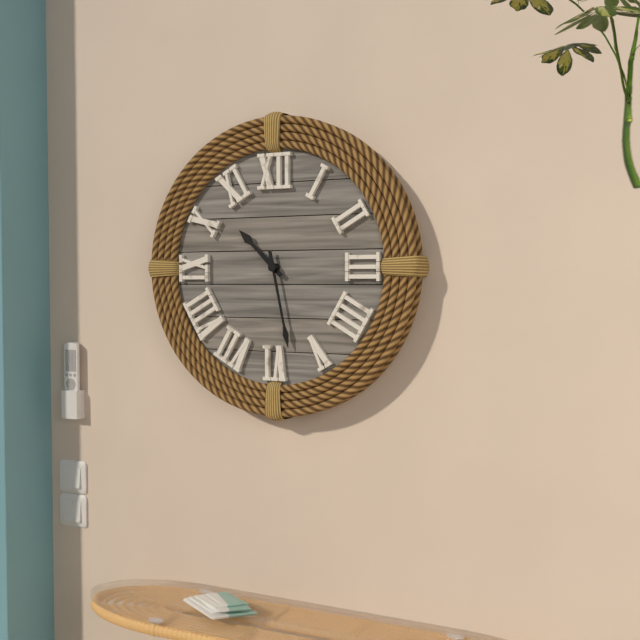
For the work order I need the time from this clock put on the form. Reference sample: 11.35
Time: 10.28
